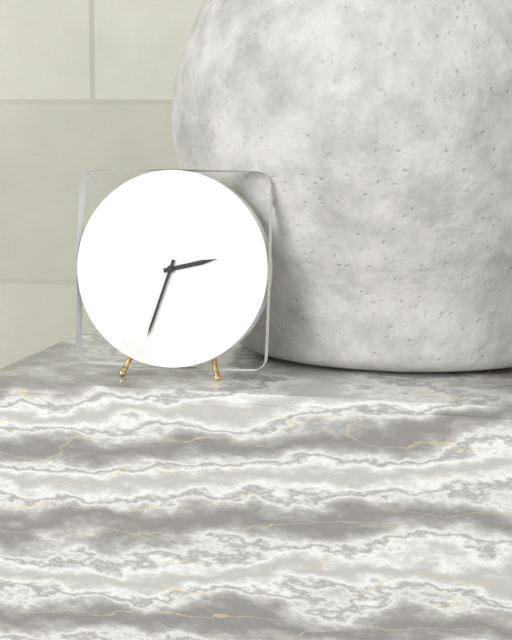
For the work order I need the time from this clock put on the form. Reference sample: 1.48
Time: 2.33
